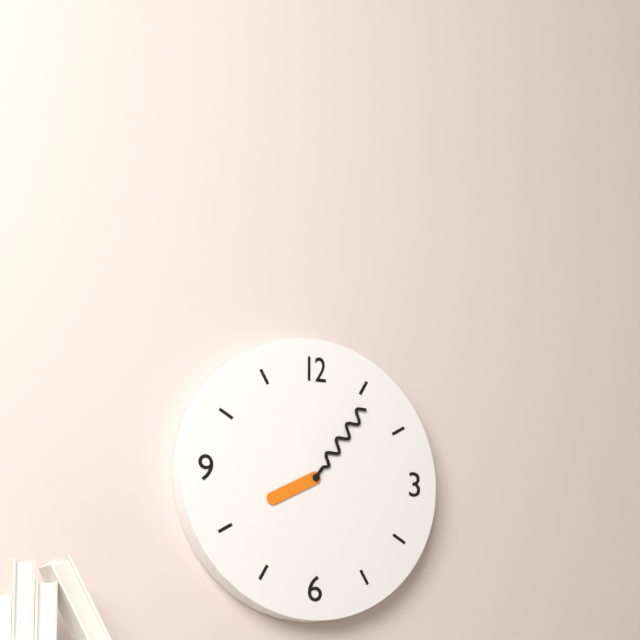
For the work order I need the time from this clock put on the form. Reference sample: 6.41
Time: 8.06
